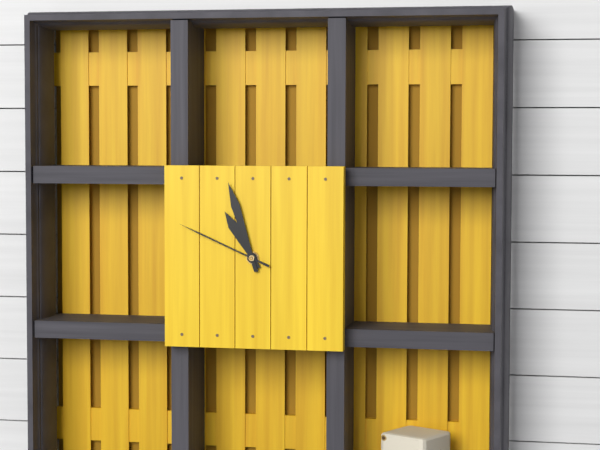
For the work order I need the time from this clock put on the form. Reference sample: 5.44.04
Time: 10.57.49
